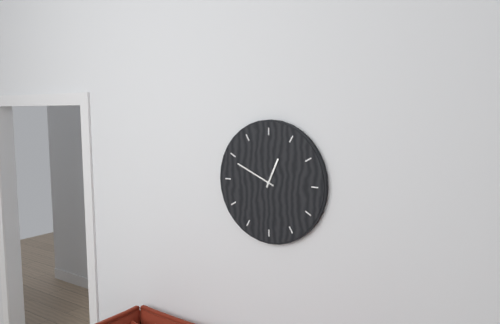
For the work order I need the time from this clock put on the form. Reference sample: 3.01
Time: 12.49
